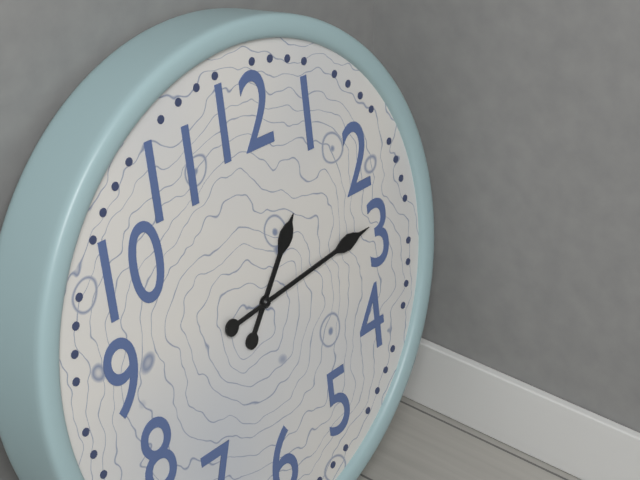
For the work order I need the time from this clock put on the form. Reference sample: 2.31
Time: 1.14
